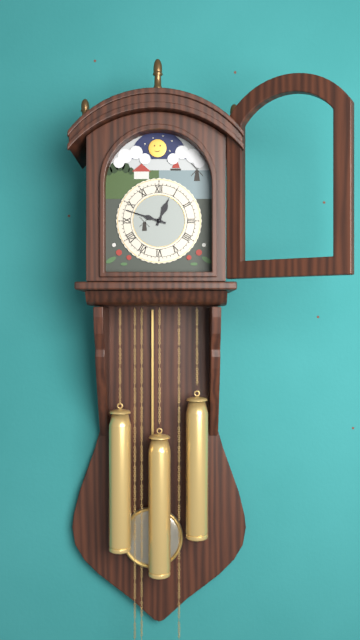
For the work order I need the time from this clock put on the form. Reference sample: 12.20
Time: 12.48
